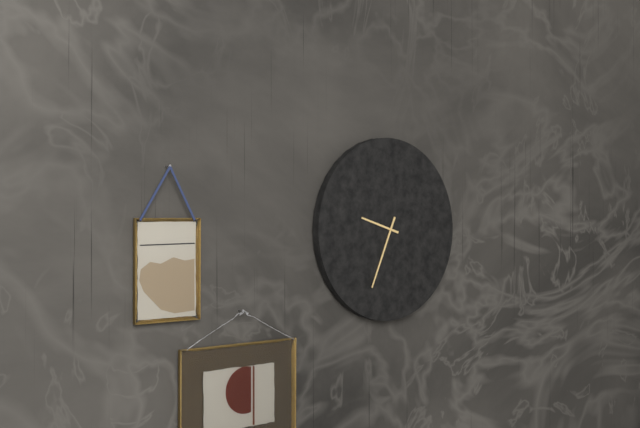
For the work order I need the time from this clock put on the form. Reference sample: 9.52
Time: 9.34
